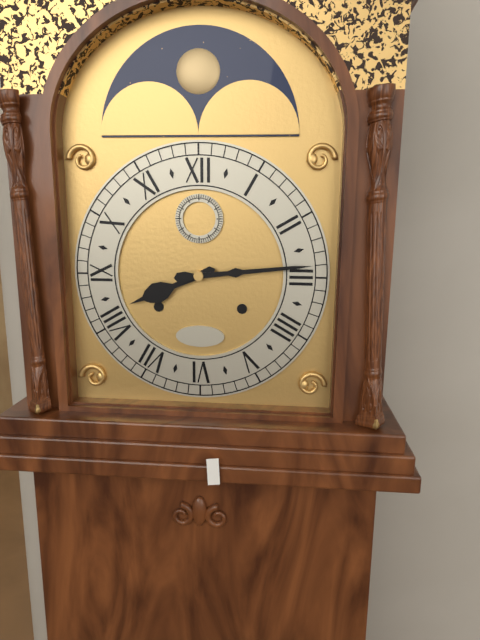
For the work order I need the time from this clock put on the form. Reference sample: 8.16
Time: 8.14
